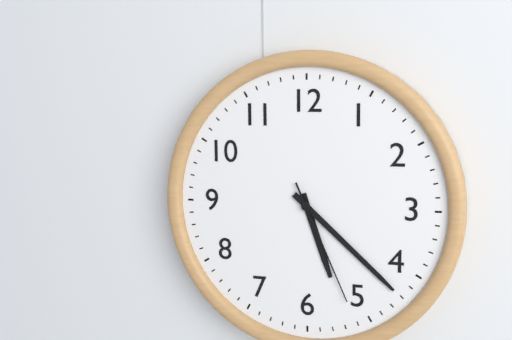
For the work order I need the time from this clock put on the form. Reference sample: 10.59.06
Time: 5.22.26
